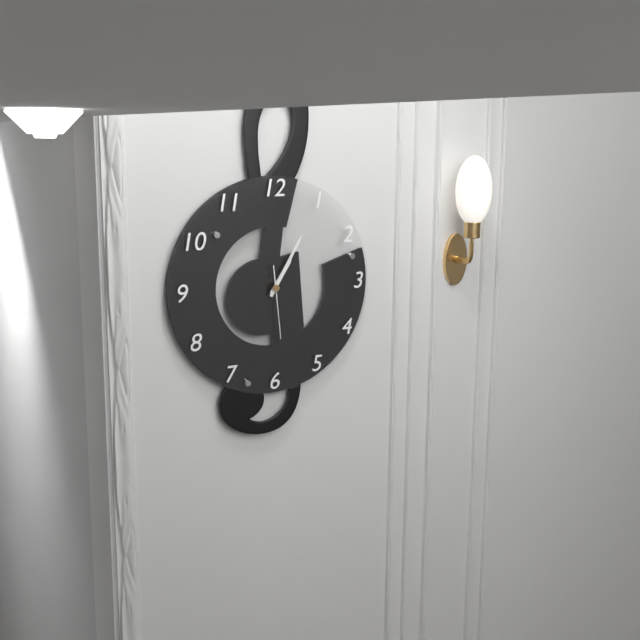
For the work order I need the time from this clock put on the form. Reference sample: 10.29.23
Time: 1.05.29
